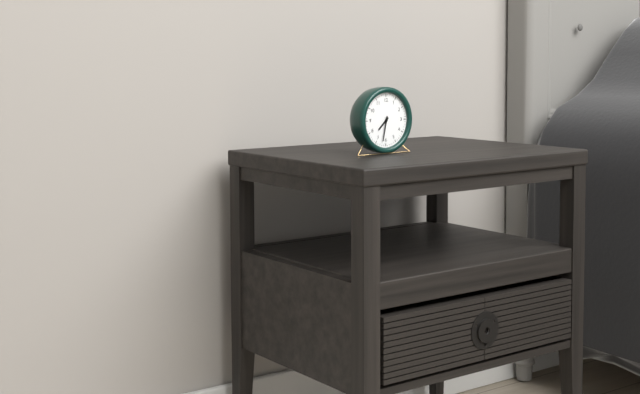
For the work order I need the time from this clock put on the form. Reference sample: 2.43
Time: 7.32
